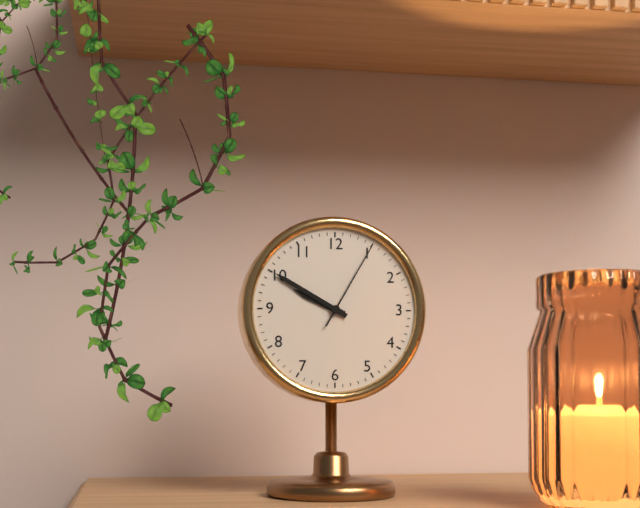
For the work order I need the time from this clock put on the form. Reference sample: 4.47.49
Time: 9.50.05
